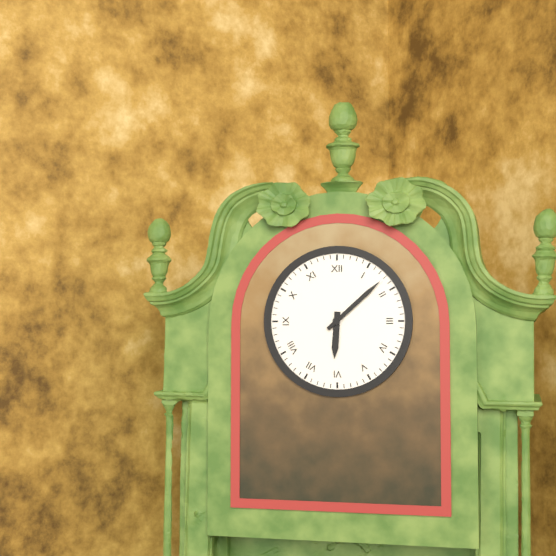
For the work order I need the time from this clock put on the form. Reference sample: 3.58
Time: 6.08
